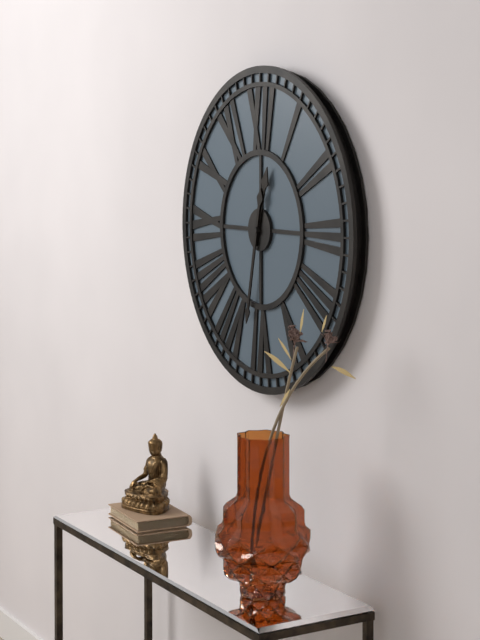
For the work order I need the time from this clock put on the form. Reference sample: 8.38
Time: 12.32
